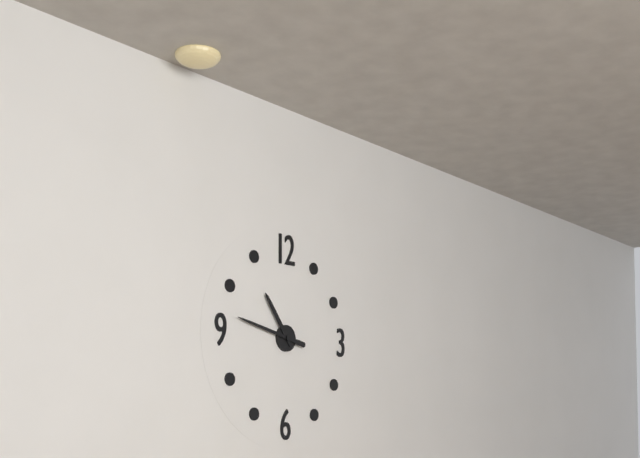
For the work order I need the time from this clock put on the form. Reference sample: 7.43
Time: 10.47
